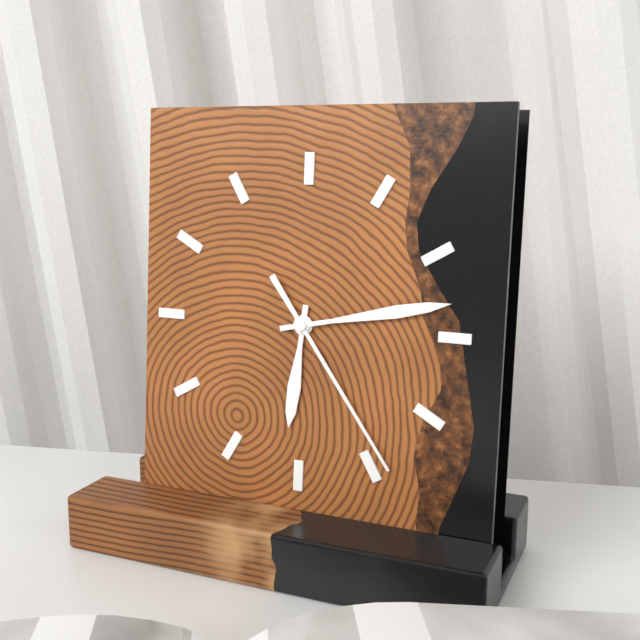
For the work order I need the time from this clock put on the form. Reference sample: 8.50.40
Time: 6.13.24
